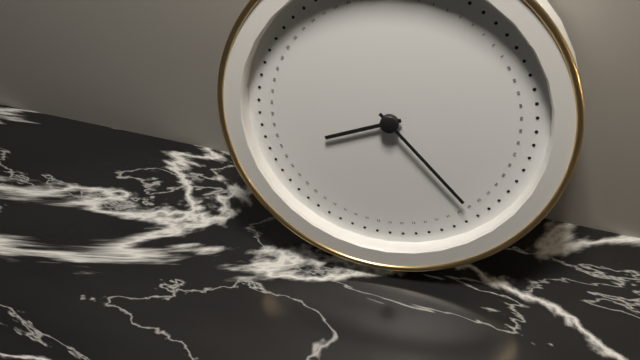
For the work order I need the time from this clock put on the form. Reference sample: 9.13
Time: 8.23
